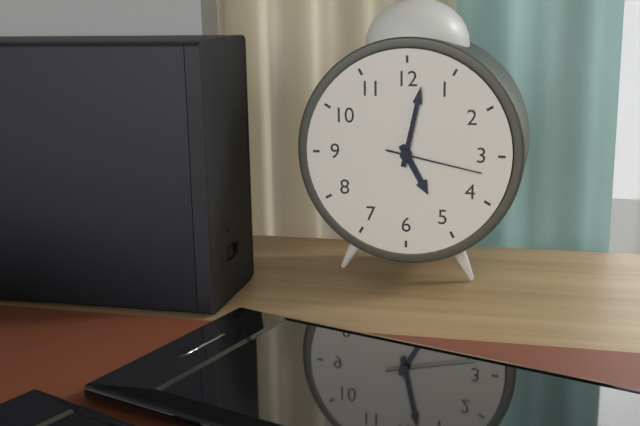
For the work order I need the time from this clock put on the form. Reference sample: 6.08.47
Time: 5.02.17
